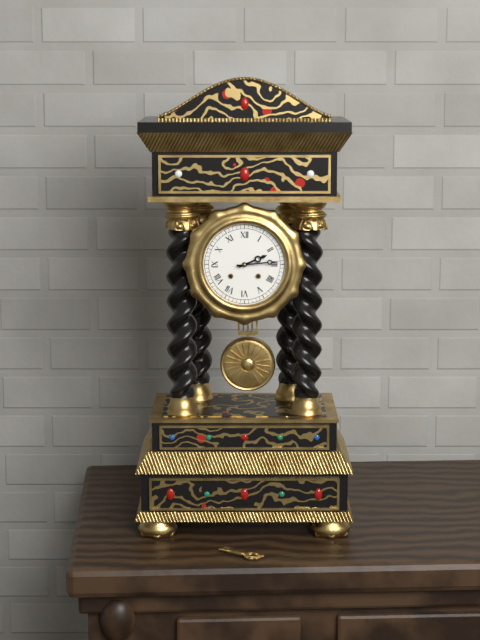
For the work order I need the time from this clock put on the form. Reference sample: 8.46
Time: 2.14
